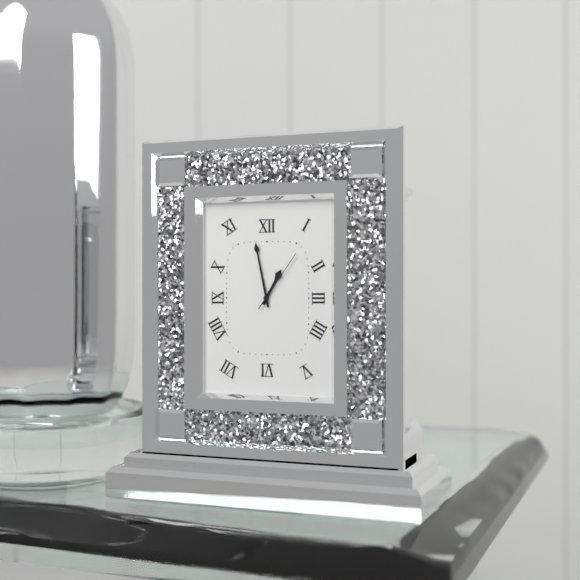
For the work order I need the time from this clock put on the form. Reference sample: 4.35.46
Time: 12.58.06
